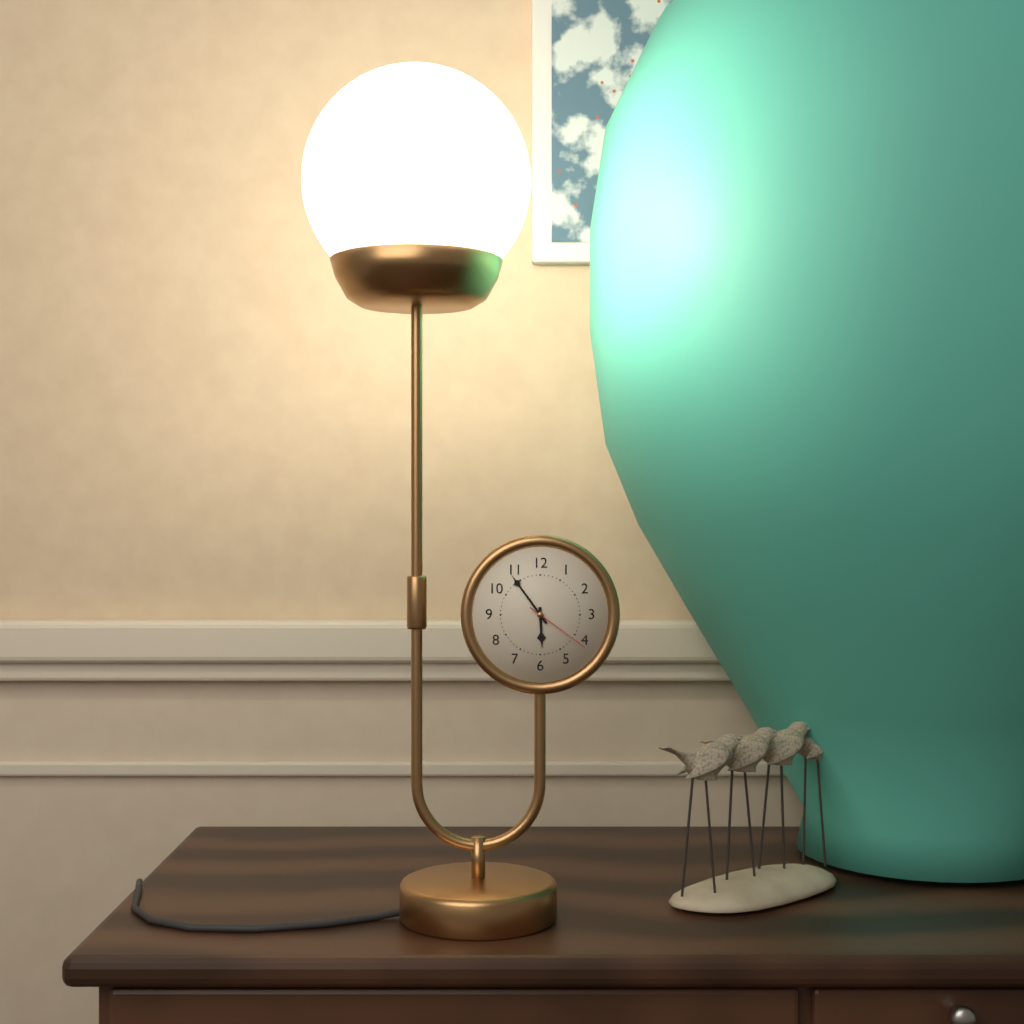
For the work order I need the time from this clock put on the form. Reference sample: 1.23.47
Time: 5.54.21
